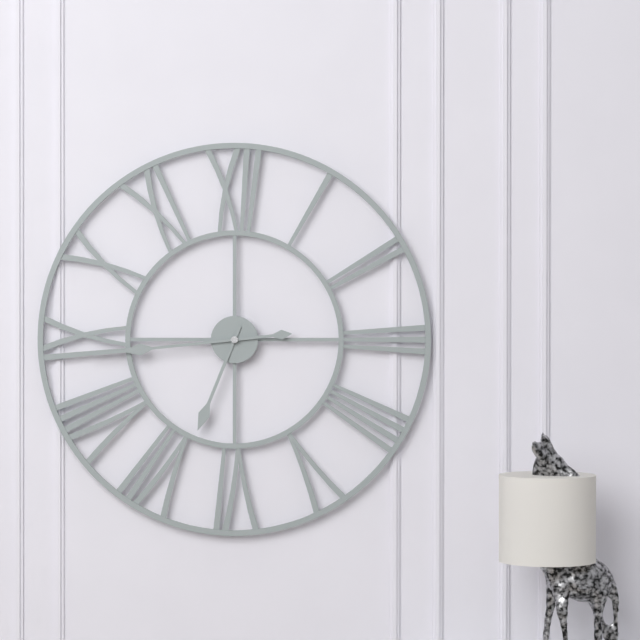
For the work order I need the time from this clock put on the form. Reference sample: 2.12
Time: 6.44
